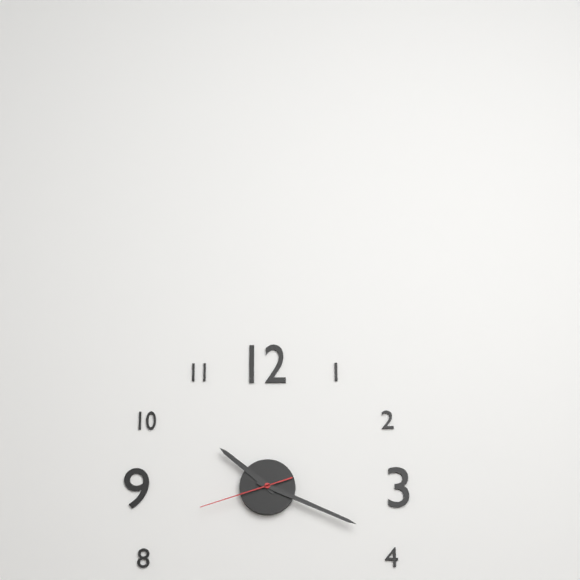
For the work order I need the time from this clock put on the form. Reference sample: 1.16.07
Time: 10.19.42
